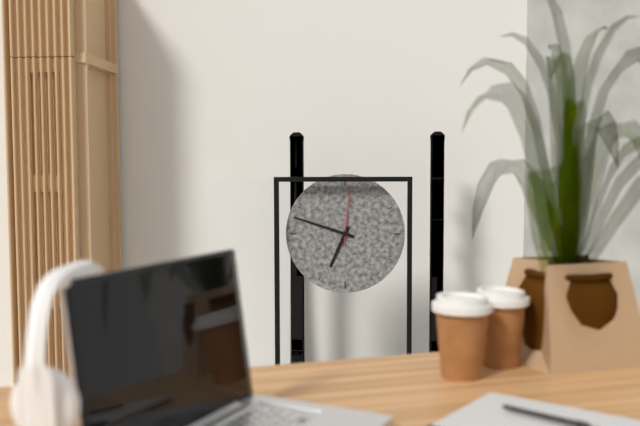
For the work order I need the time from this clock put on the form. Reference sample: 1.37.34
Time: 6.48.01
